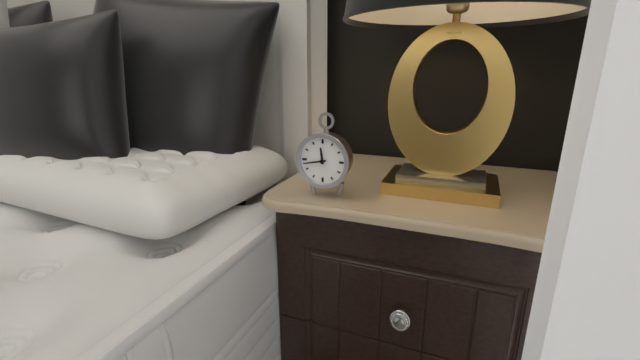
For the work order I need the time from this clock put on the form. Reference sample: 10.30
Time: 11.43
